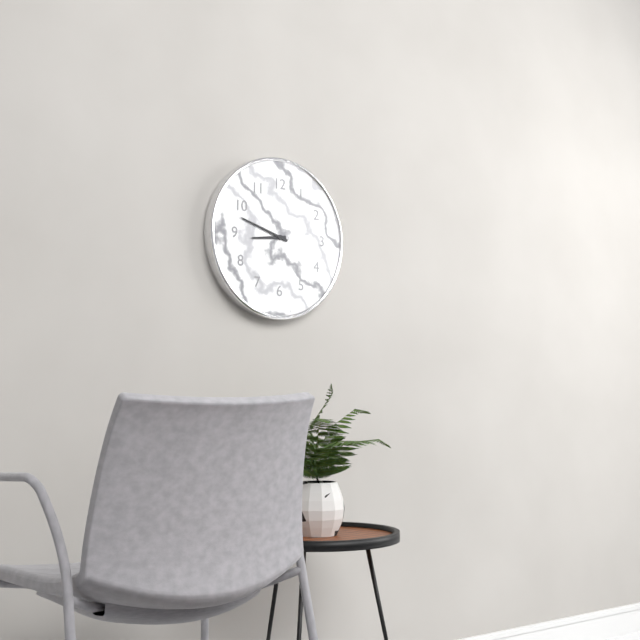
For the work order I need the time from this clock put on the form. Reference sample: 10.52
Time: 8.48
